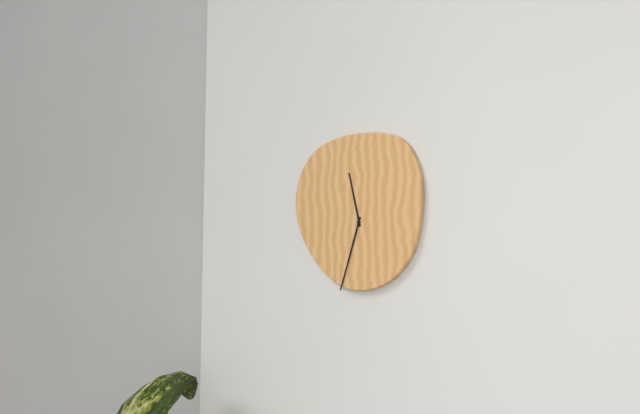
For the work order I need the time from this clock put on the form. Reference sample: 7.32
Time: 11.33
